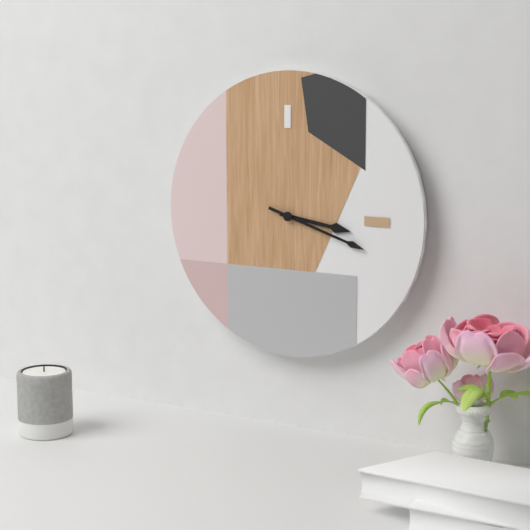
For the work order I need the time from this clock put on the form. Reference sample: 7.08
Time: 3.18
